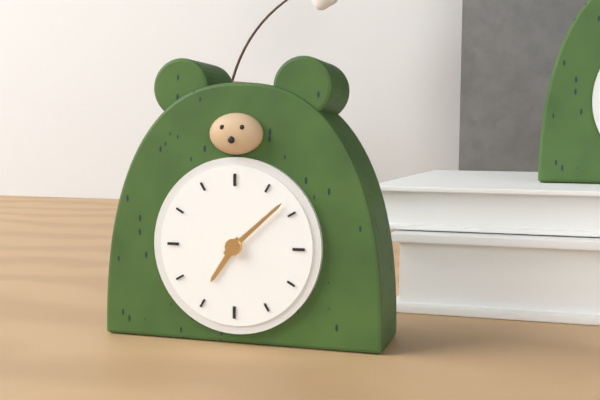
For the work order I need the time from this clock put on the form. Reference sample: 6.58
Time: 7.08
